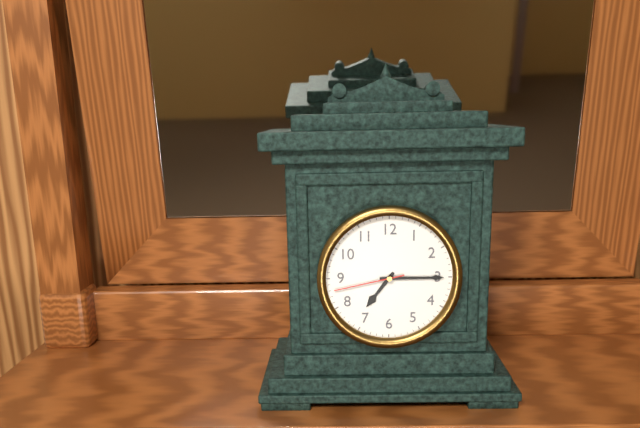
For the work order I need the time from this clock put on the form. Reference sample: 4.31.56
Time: 7.15.43
